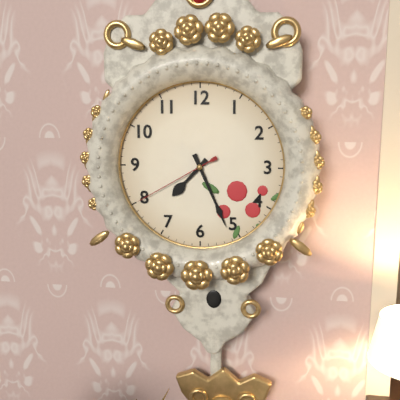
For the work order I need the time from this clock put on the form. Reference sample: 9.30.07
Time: 7.26.40
